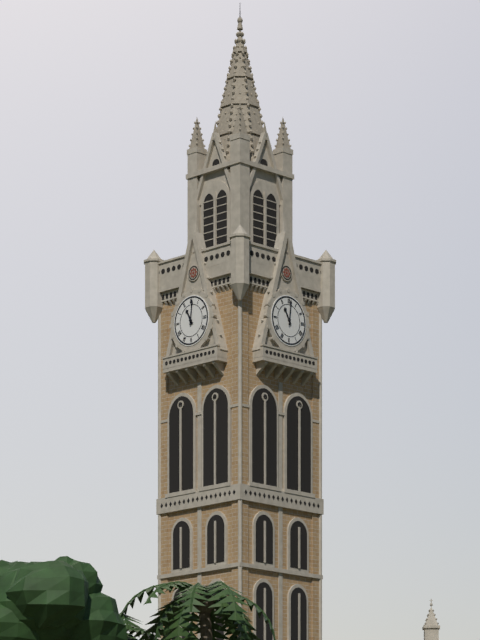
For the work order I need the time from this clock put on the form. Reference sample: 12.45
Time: 11.01
